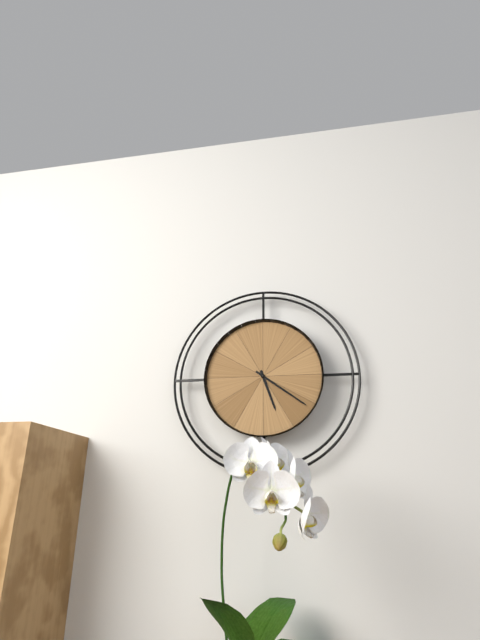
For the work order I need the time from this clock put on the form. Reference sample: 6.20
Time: 5.21
